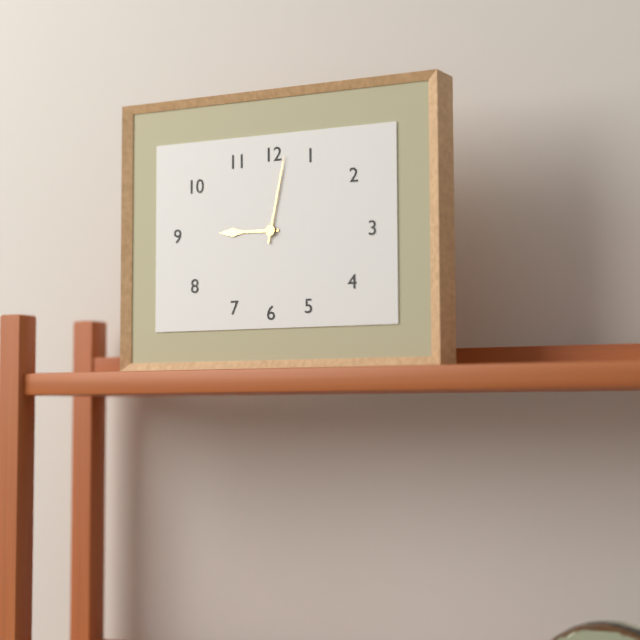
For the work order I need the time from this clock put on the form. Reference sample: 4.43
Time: 9.02
